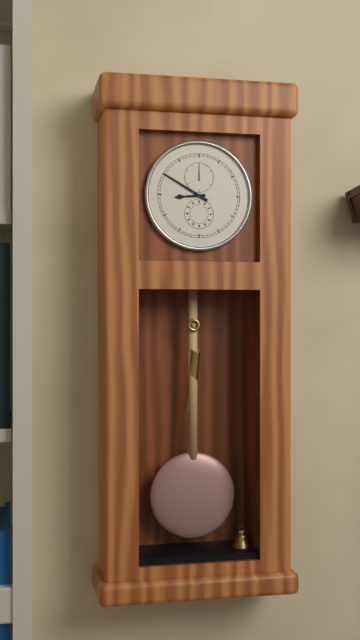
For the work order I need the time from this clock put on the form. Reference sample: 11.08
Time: 8.50
